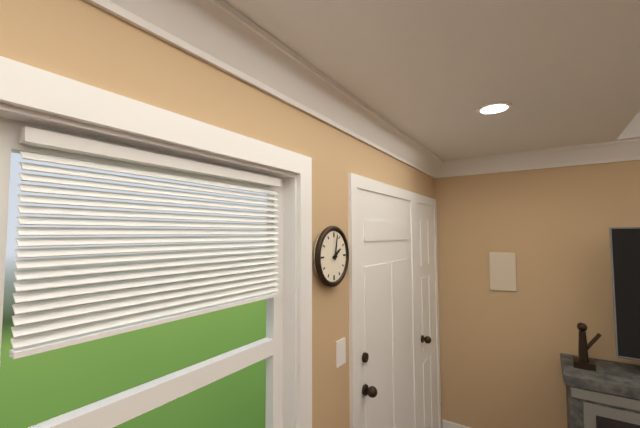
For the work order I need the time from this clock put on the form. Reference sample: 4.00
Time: 2.02
